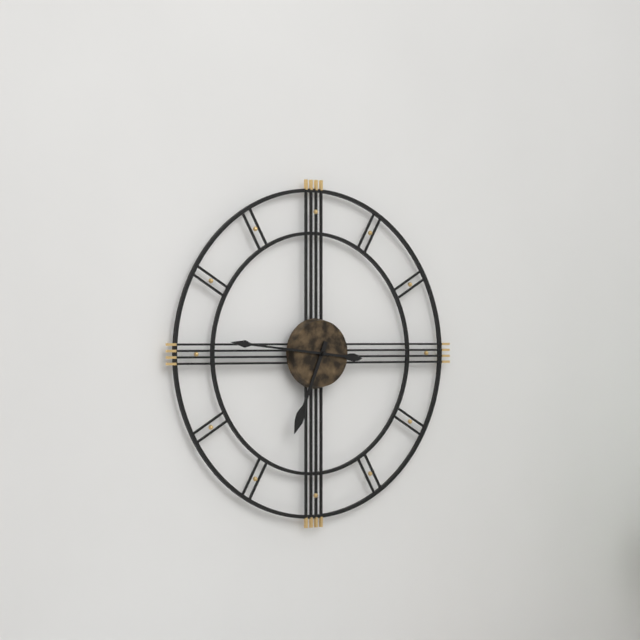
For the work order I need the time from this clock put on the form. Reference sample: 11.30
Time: 6.46
